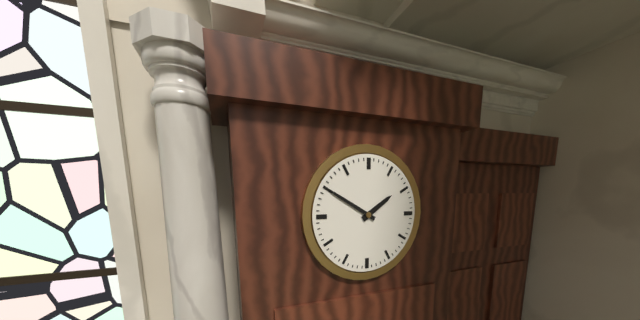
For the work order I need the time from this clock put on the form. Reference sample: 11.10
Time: 1.50
